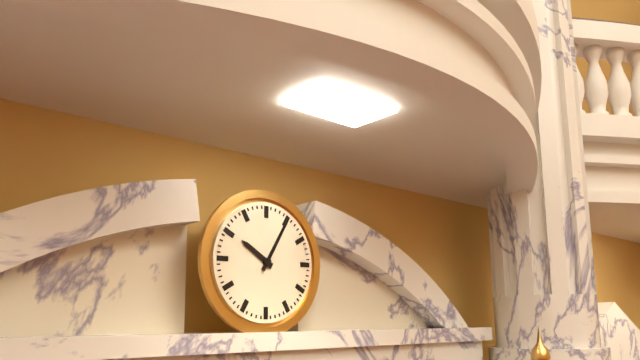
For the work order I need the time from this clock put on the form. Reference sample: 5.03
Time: 10.05
